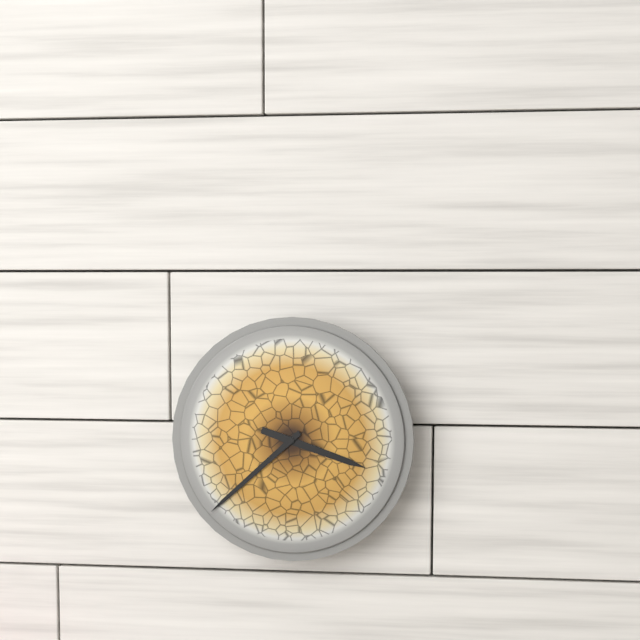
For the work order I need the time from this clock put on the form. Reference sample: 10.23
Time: 3.38
